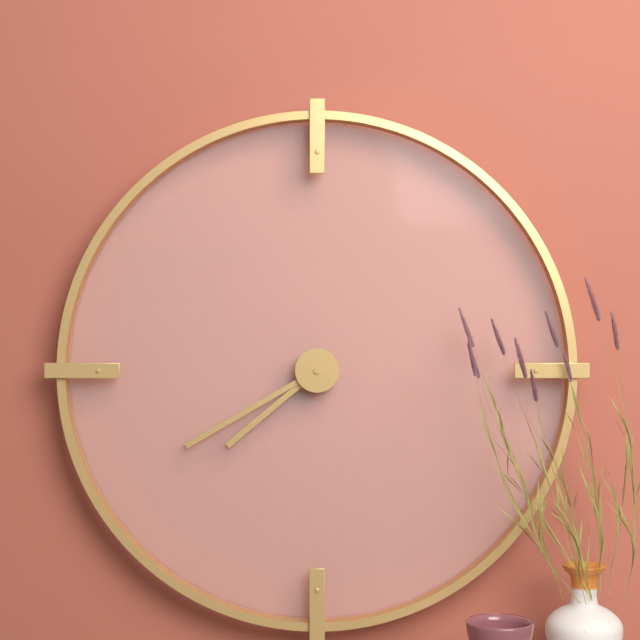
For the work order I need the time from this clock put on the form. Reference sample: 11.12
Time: 7.40
